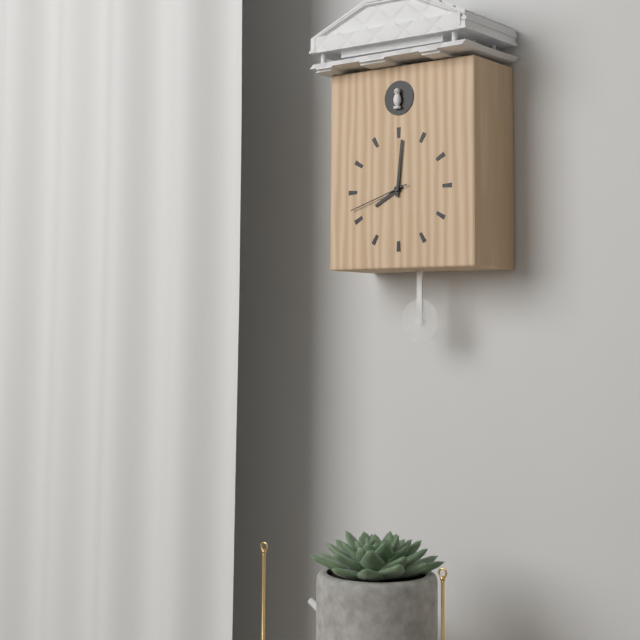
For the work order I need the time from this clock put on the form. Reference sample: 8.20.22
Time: 8.01.42
